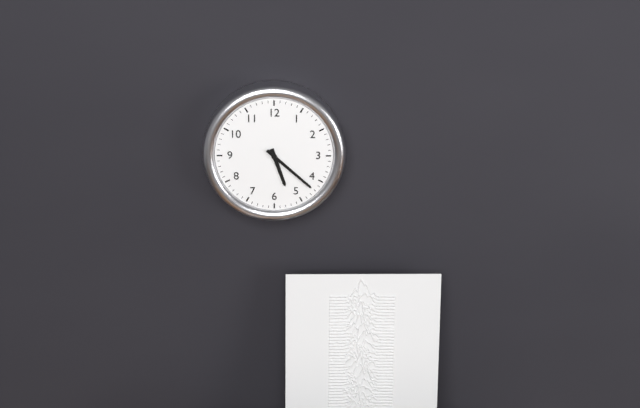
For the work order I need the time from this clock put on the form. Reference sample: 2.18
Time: 5.22
